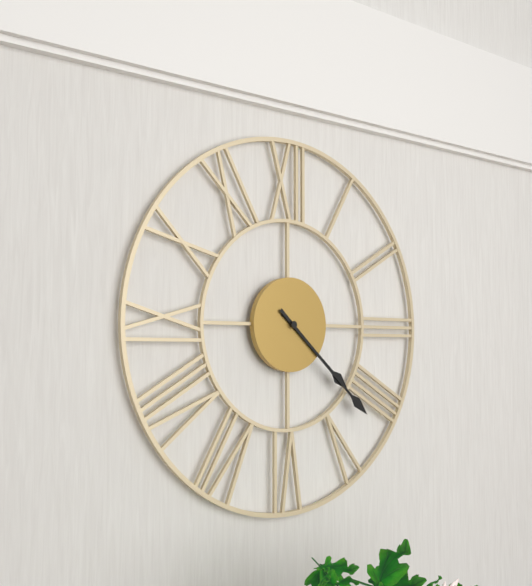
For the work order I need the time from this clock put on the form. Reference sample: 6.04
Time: 4.22
